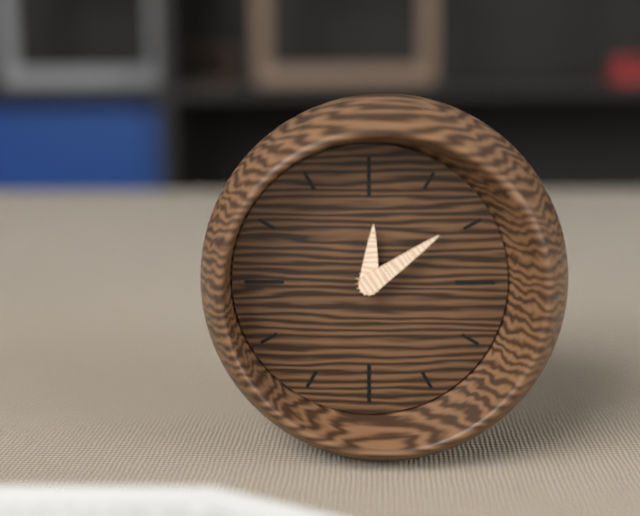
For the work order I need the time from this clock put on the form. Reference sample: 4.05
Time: 12.09
